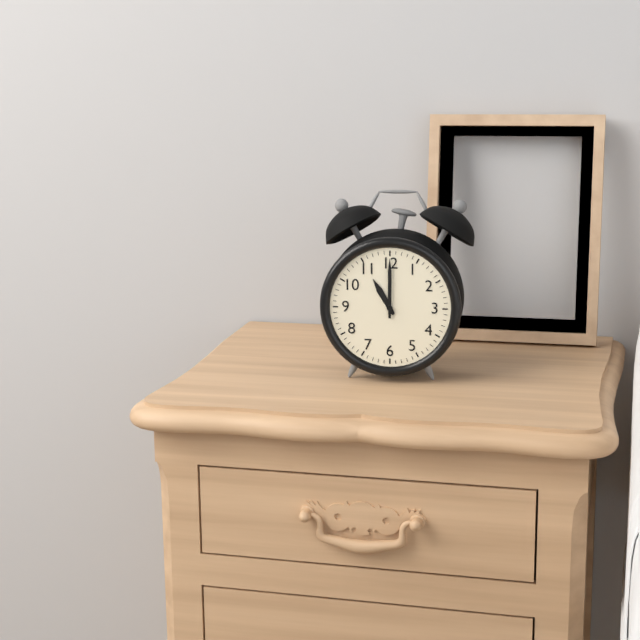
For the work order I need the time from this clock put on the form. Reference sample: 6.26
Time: 11.00
